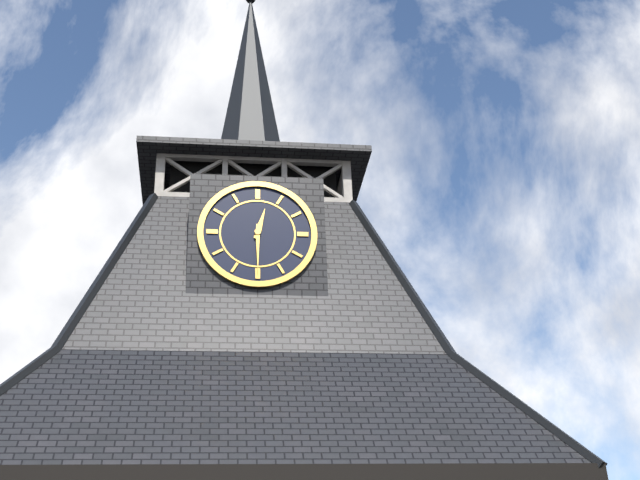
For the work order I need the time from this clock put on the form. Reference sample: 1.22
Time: 12.30
